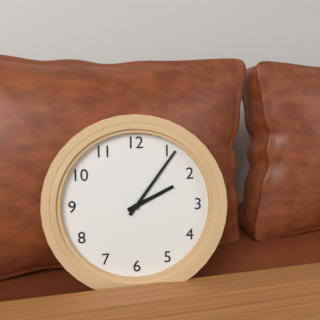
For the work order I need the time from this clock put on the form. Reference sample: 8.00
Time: 2.06
